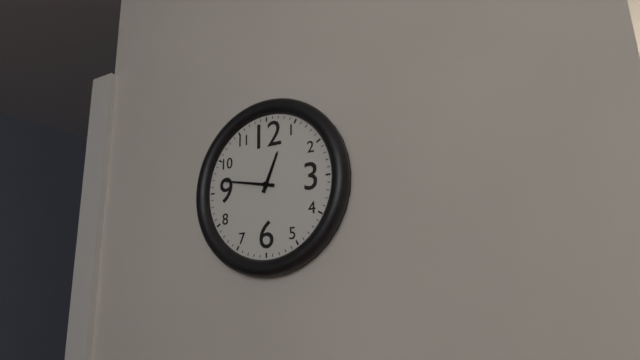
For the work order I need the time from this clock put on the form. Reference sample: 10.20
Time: 12.47
